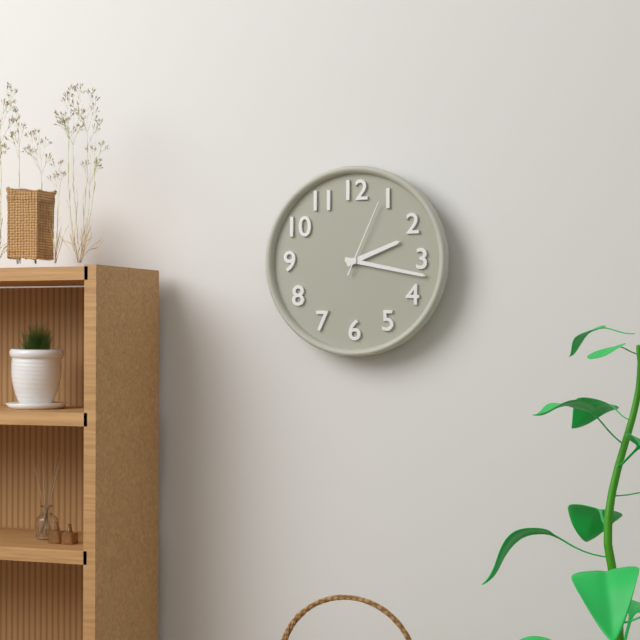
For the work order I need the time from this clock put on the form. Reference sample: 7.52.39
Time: 2.17.04
